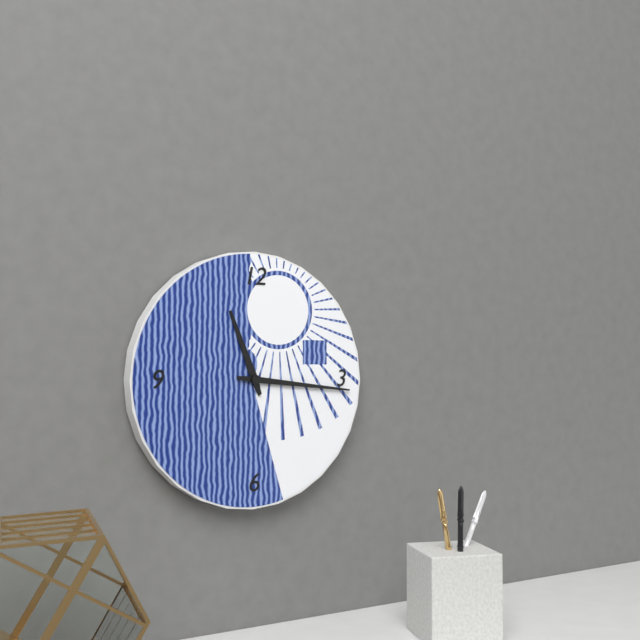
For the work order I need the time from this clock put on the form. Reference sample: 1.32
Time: 11.16
